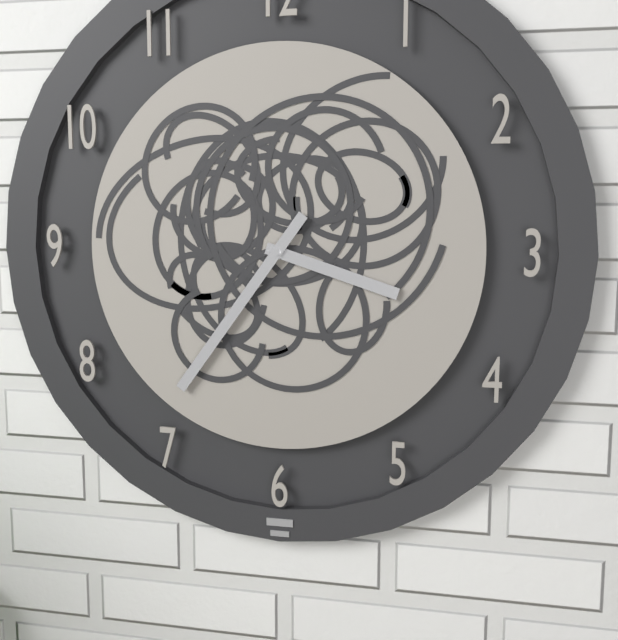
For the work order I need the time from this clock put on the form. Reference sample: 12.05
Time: 3.36
